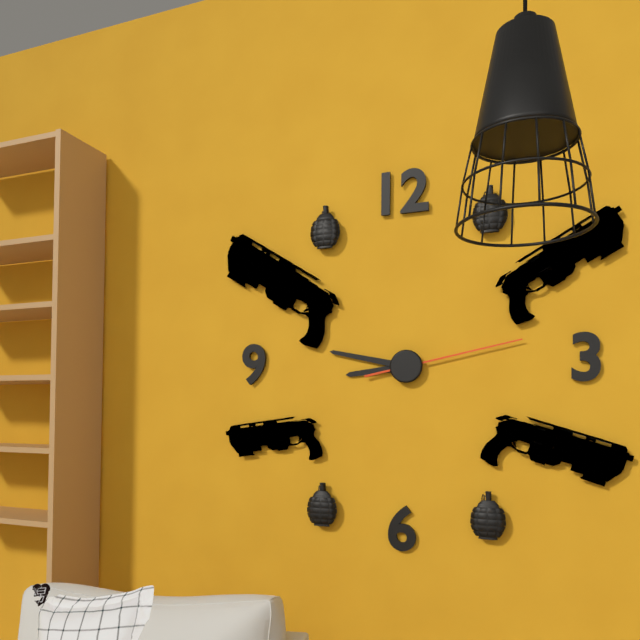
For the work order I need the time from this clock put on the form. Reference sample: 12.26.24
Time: 8.47.13
